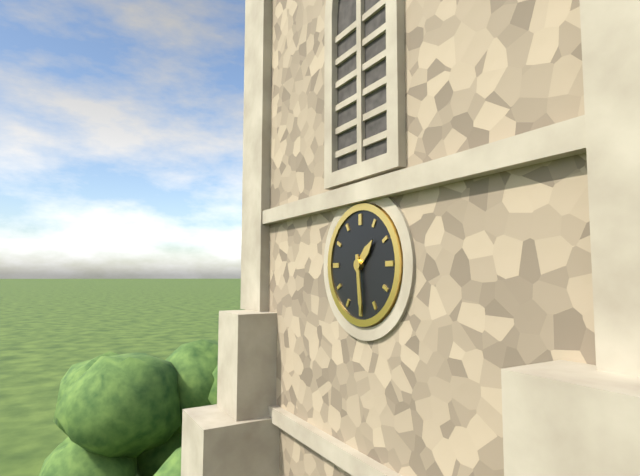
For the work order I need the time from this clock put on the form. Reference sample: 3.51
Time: 1.29
